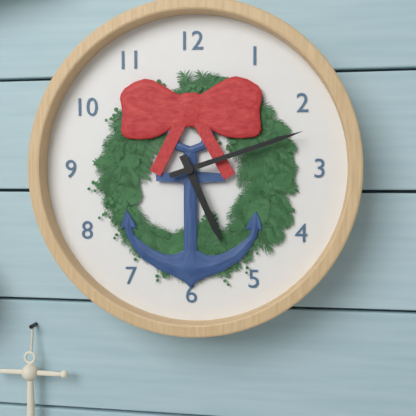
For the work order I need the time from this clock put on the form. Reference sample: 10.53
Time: 5.12
